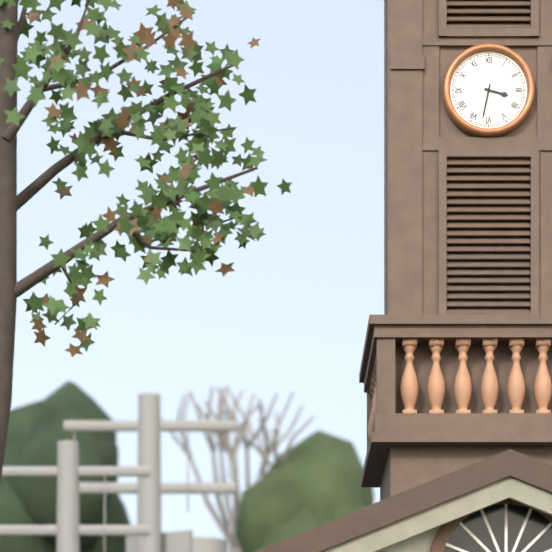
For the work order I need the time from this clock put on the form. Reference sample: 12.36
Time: 3.32
